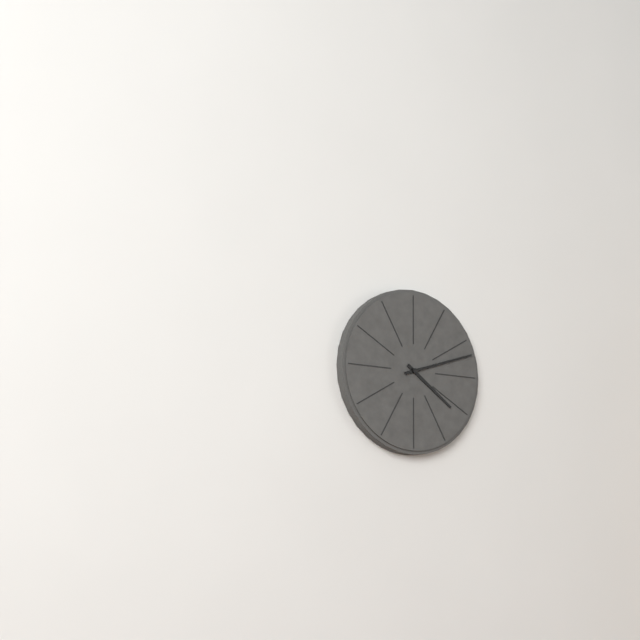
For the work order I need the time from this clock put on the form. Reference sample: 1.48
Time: 4.12
